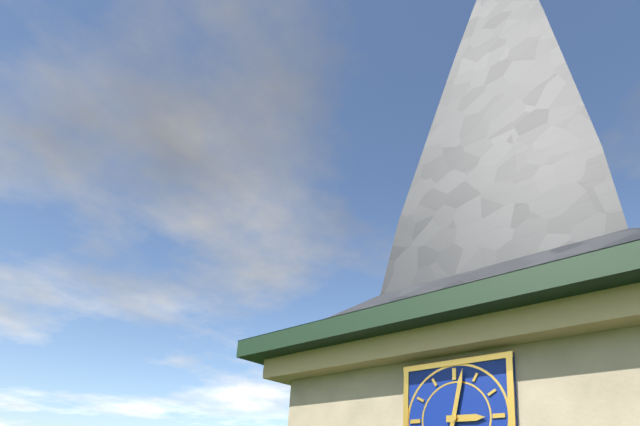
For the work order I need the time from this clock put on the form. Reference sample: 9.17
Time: 3.02
